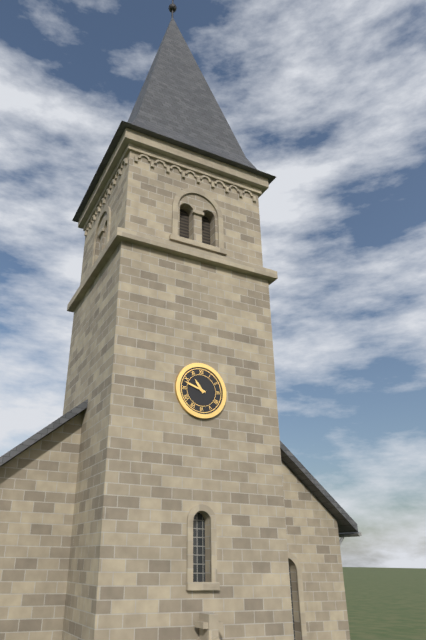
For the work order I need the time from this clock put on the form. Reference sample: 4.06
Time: 10.48
